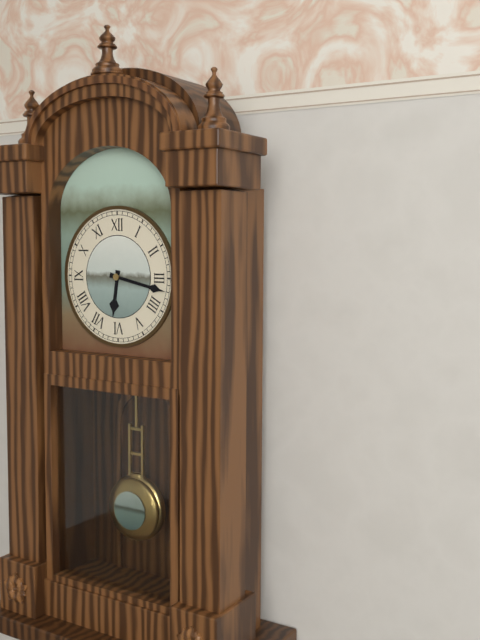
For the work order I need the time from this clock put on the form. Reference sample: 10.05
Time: 6.17
